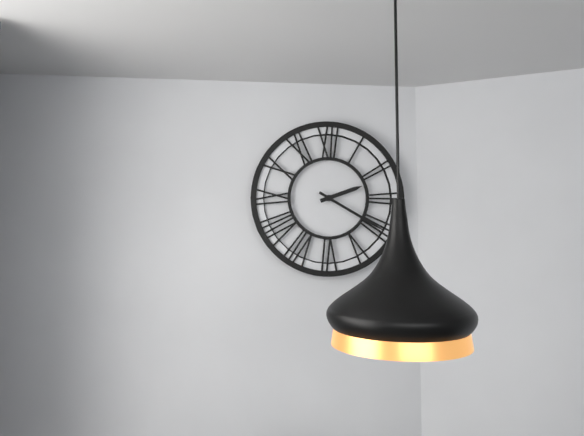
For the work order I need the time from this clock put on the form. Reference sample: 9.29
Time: 2.20
